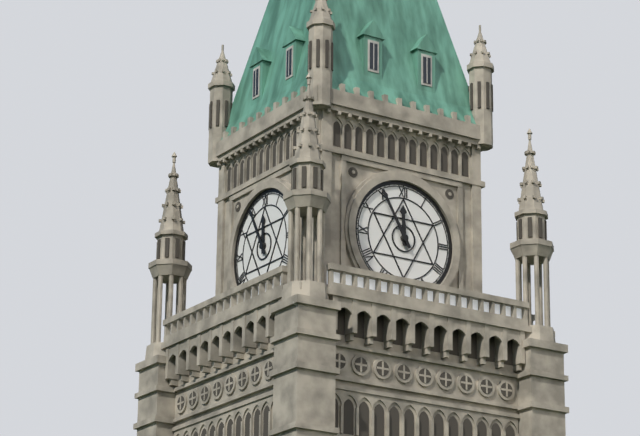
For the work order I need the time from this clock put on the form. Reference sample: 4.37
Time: 11.55
